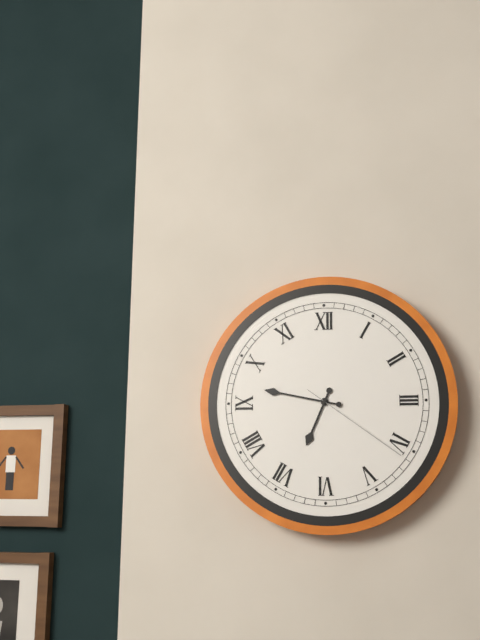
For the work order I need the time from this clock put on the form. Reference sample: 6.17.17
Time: 6.47.21
